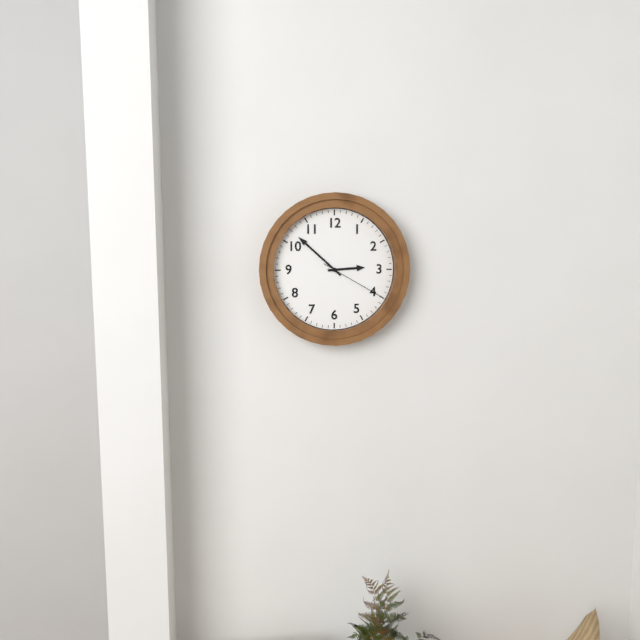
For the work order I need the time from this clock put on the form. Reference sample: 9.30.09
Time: 2.52.20
